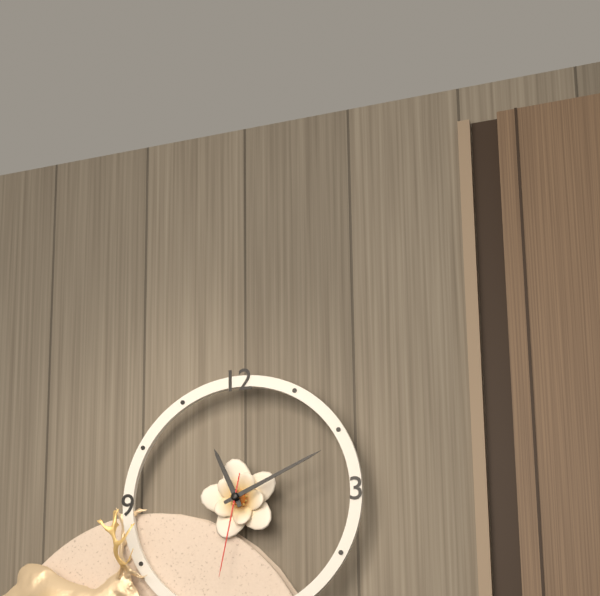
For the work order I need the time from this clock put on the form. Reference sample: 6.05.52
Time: 11.11.32
